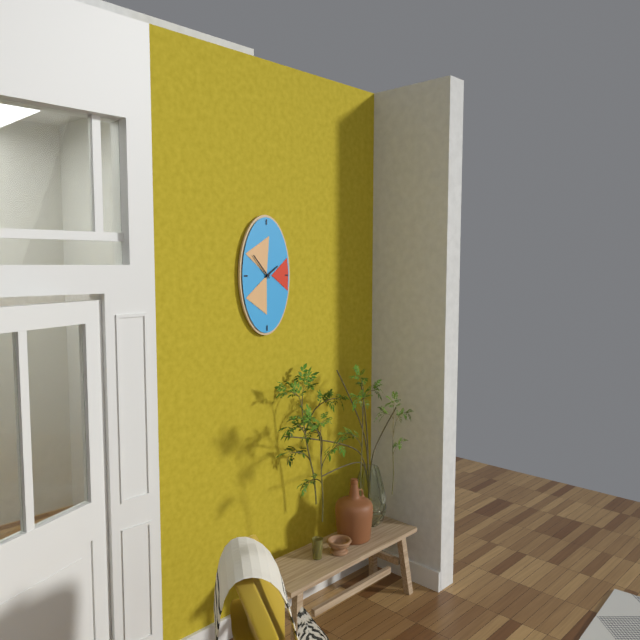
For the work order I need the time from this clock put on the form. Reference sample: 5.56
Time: 1.53
